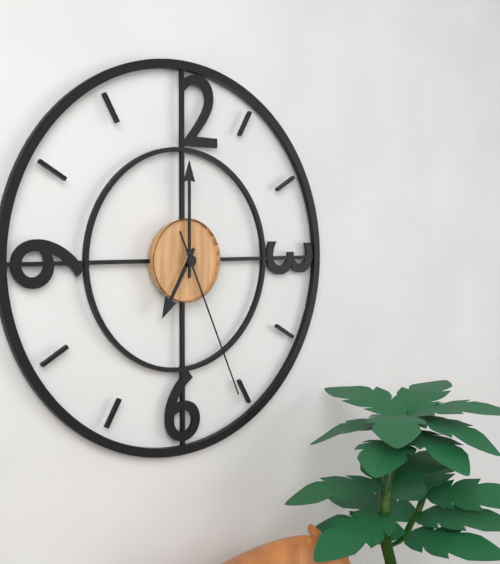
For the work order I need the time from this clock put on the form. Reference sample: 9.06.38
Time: 7.00.26
